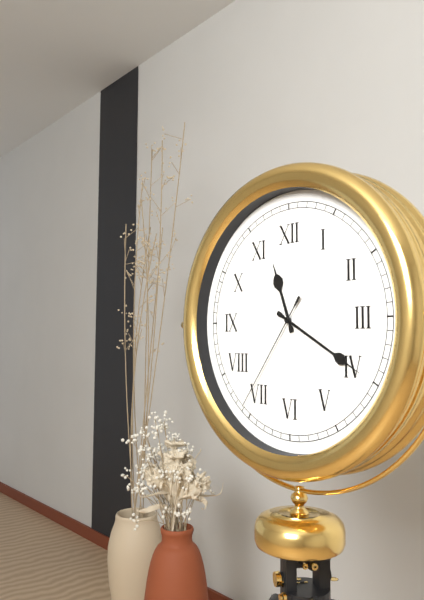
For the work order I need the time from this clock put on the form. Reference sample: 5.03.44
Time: 11.20.36
